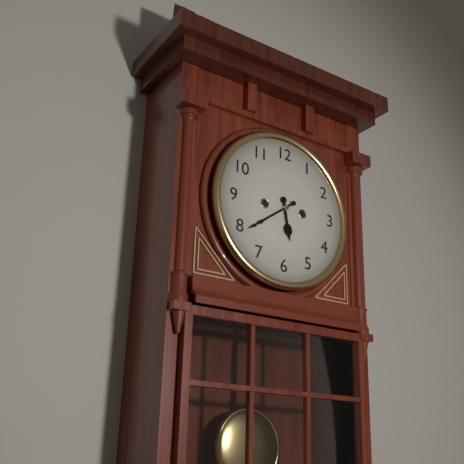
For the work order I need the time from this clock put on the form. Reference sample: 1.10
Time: 5.39
